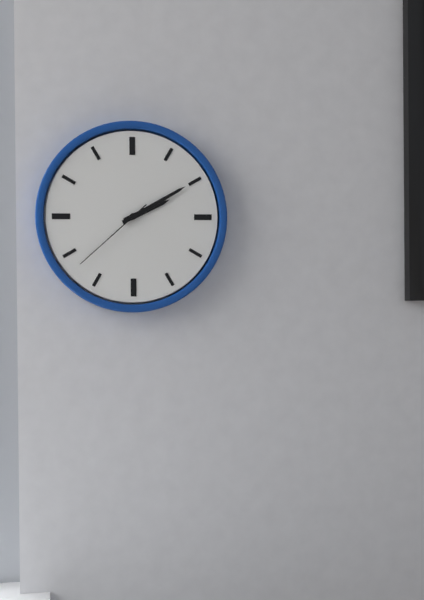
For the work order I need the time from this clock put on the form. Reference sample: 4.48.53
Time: 2.10.38
